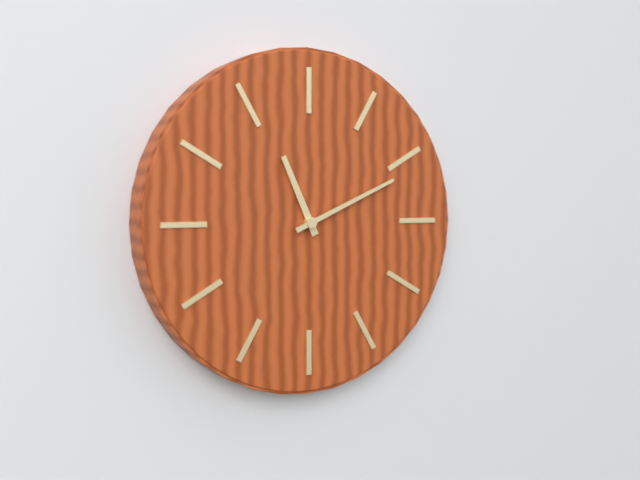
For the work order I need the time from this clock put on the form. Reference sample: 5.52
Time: 11.11
